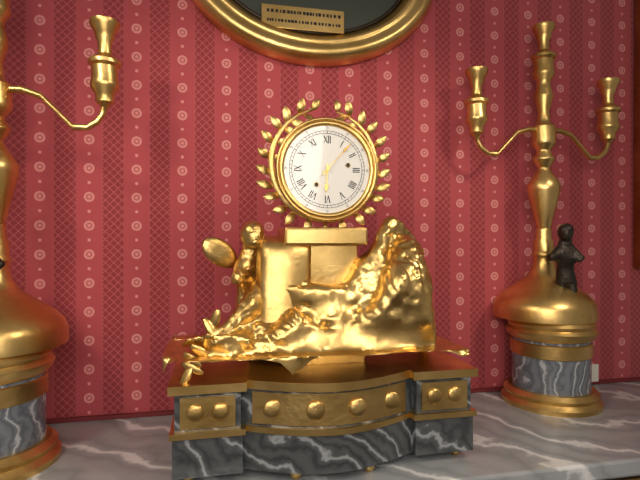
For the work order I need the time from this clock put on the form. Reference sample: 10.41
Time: 6.07
